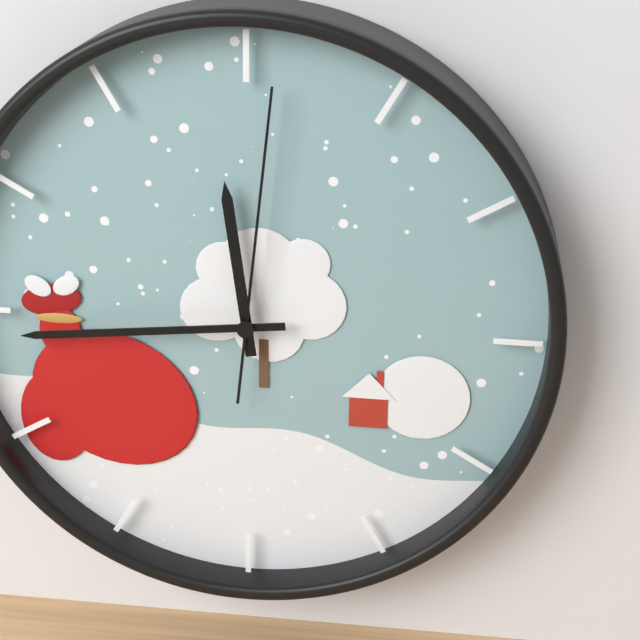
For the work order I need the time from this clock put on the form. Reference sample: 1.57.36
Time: 11.44.01
